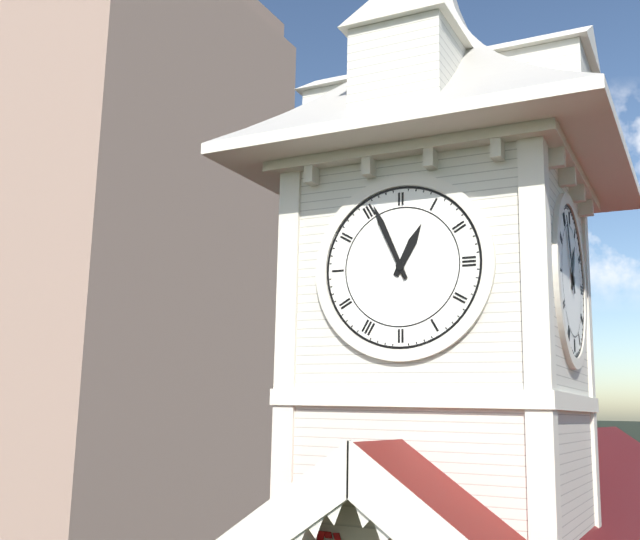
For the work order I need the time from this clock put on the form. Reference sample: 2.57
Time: 12.56
